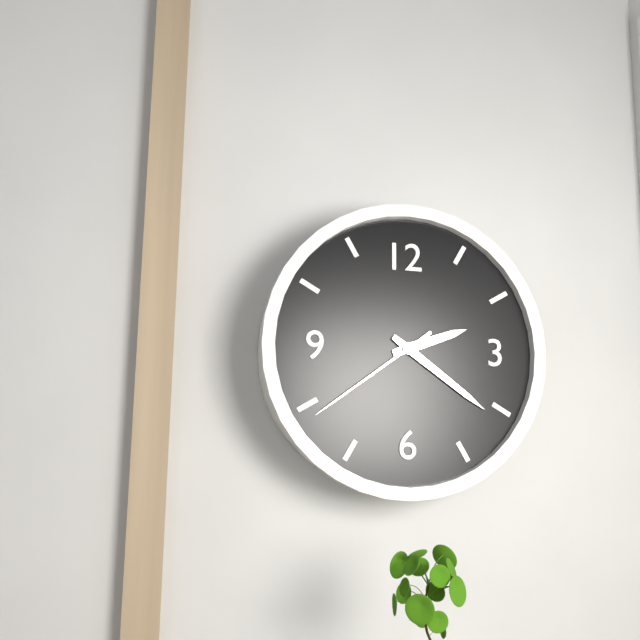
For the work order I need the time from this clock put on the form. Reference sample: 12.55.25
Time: 2.21.39
